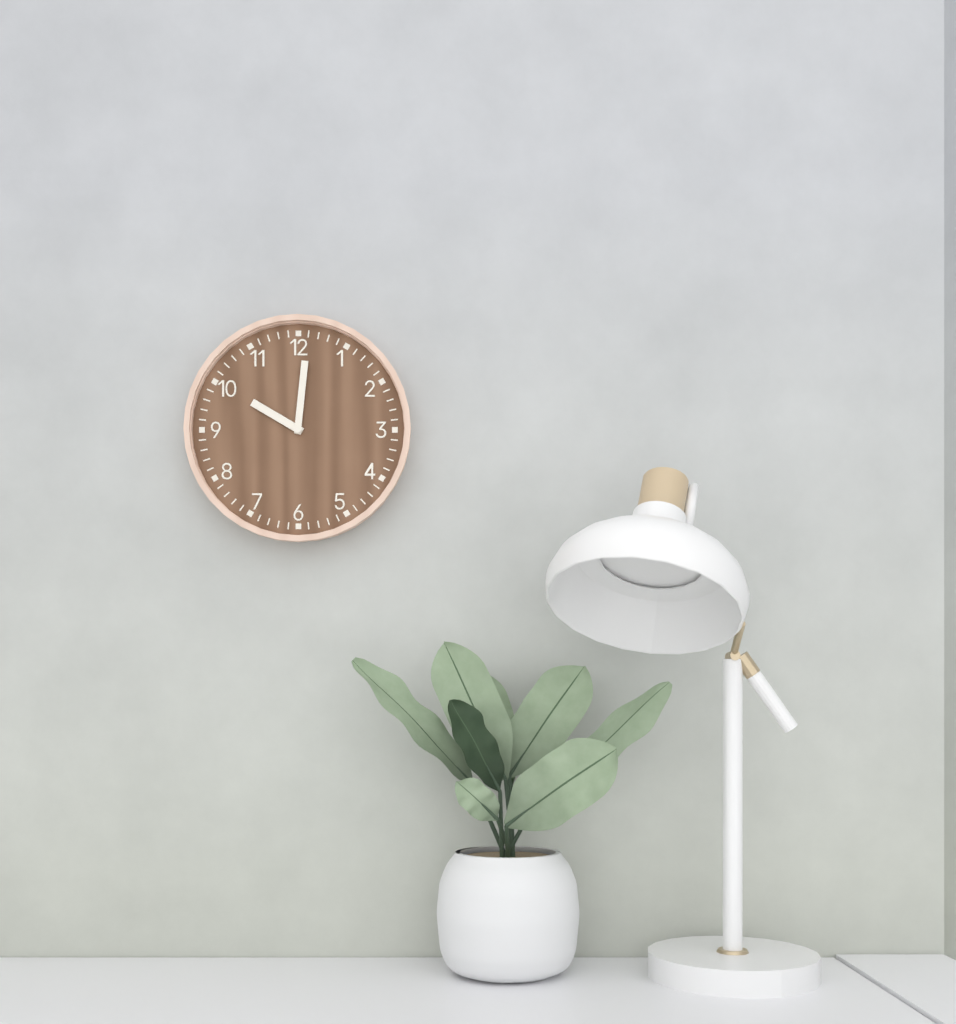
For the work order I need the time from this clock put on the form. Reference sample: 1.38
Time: 10.01
